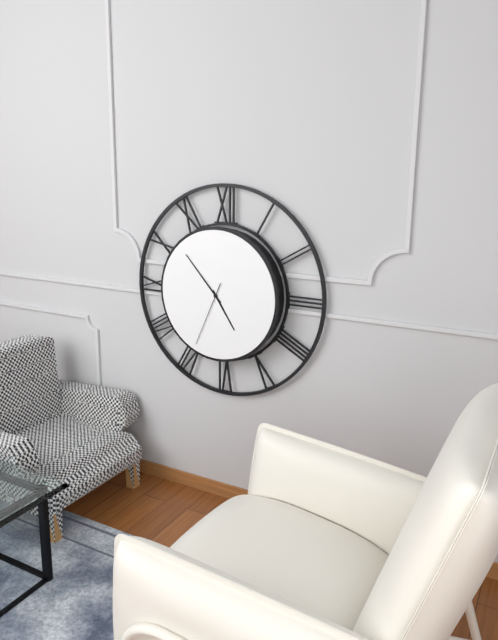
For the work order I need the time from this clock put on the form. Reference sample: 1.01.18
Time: 4.53.34
